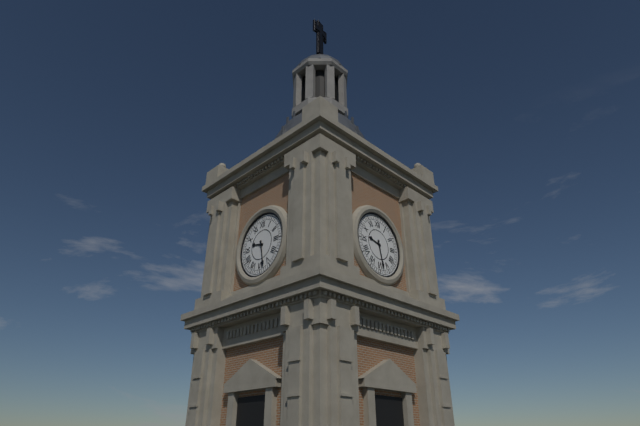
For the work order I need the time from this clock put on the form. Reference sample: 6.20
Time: 9.28
